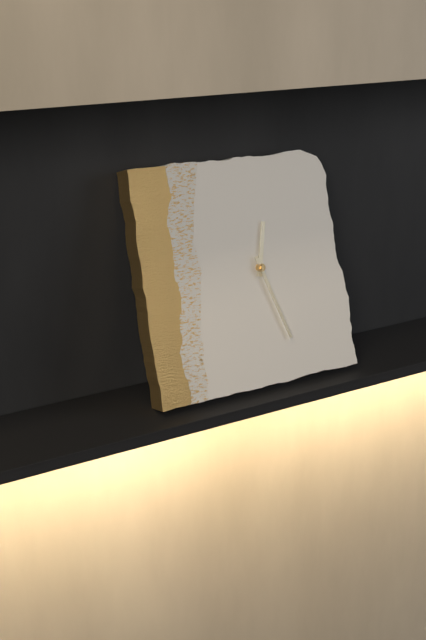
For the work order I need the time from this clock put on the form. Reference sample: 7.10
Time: 12.27
